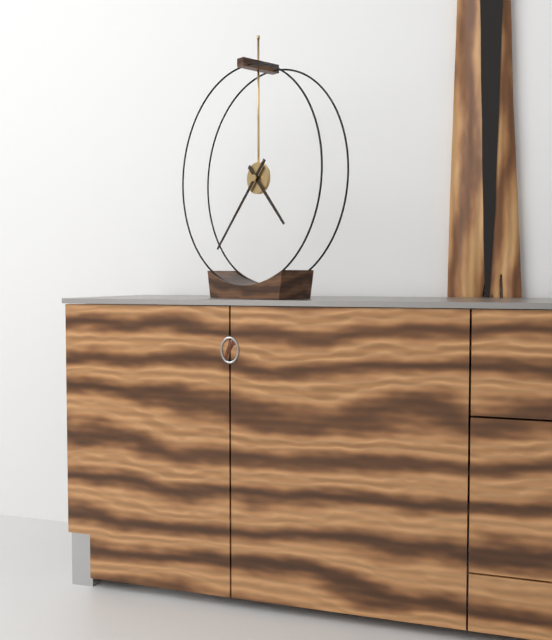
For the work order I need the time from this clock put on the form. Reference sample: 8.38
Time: 4.37
